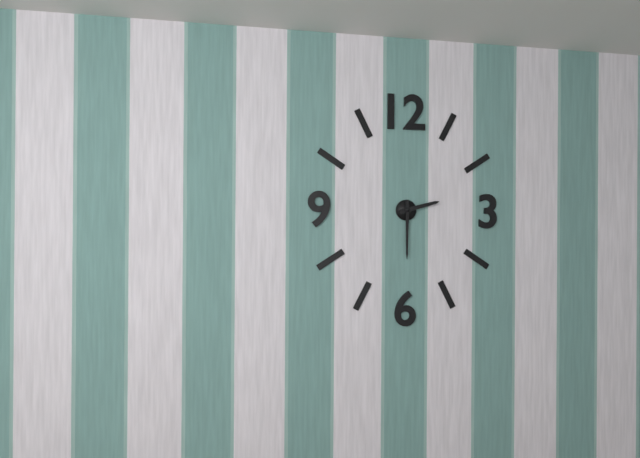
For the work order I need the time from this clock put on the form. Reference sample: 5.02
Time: 2.30
